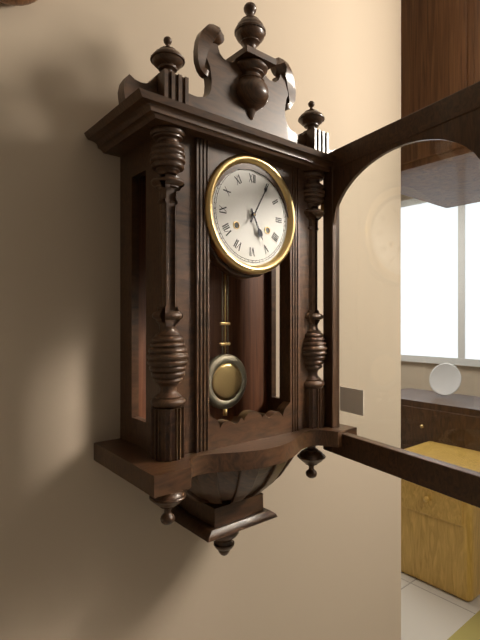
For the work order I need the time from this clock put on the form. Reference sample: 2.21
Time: 5.05
